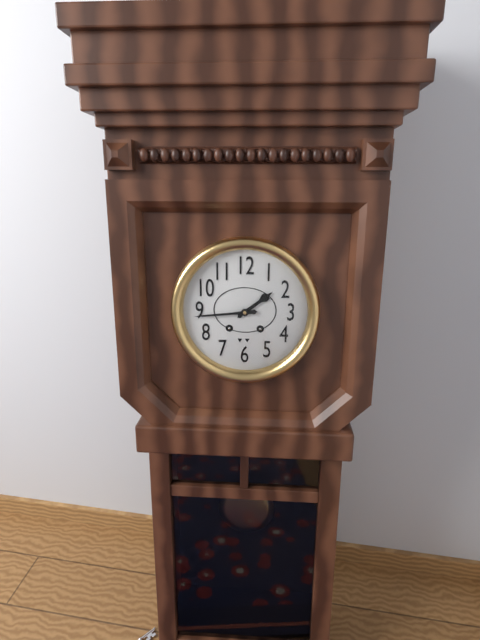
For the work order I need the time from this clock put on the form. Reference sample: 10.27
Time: 1.44
